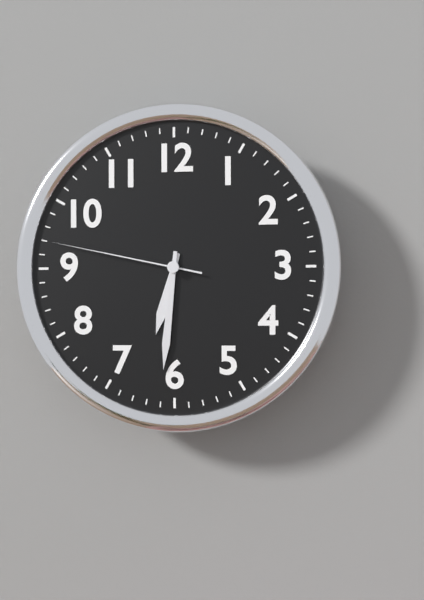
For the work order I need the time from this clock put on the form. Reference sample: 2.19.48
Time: 6.31.47
